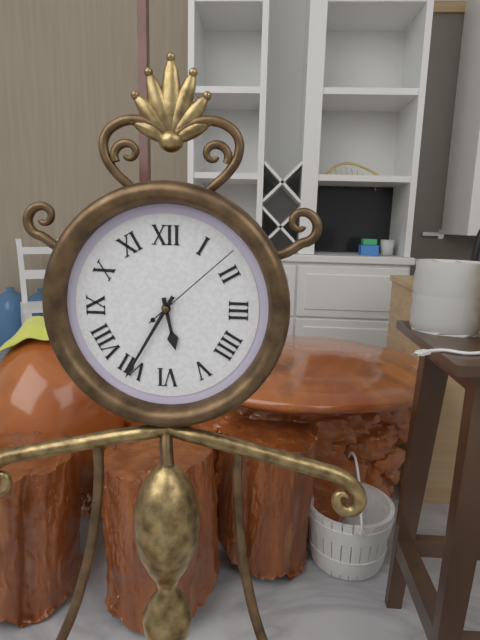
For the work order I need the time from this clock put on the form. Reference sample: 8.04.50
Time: 5.35.08
